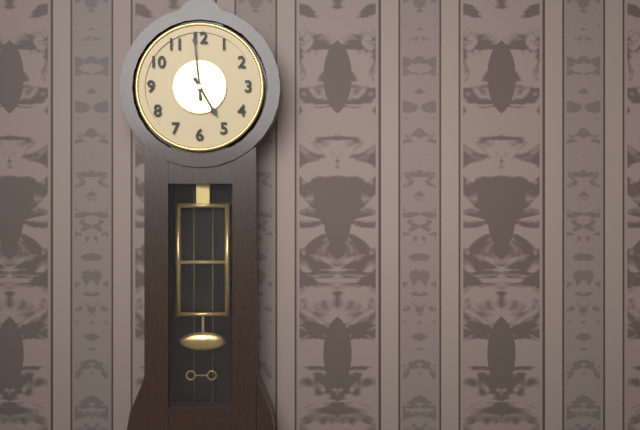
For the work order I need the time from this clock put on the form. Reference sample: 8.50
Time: 4.59
